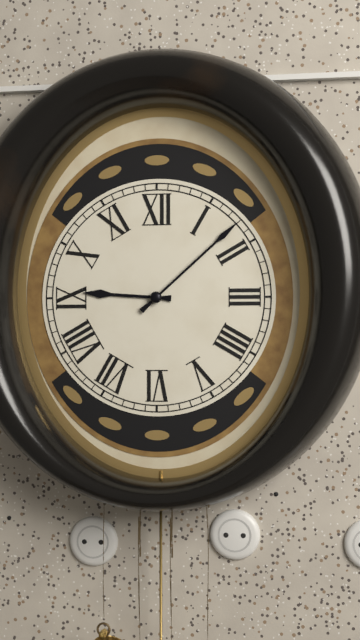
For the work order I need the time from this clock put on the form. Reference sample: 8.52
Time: 9.08
